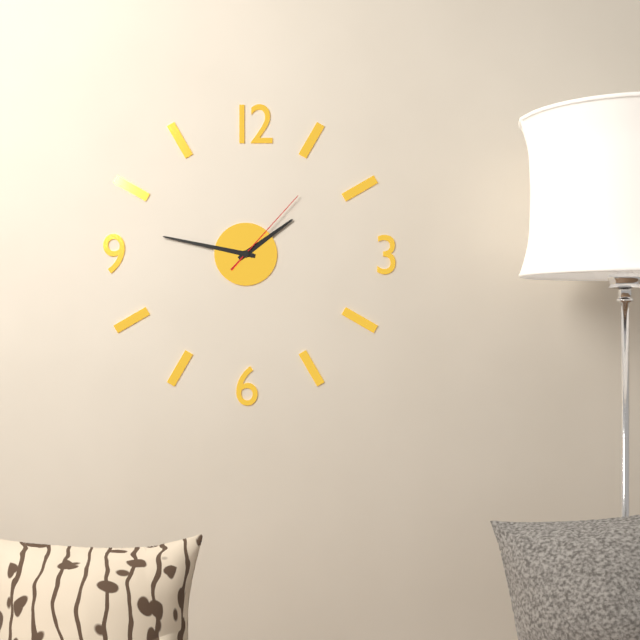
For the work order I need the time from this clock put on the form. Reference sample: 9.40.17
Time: 1.47.07
